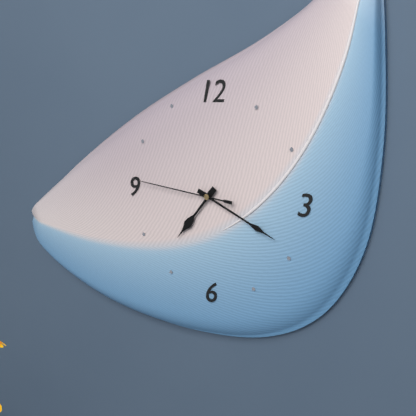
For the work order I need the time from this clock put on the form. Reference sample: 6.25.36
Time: 7.19.46
